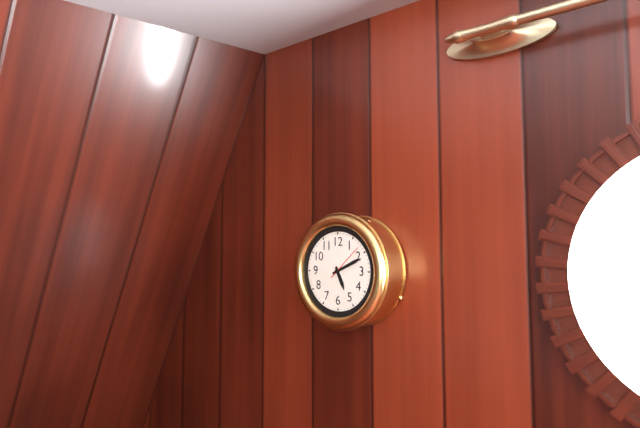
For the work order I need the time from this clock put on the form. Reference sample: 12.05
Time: 5.11
